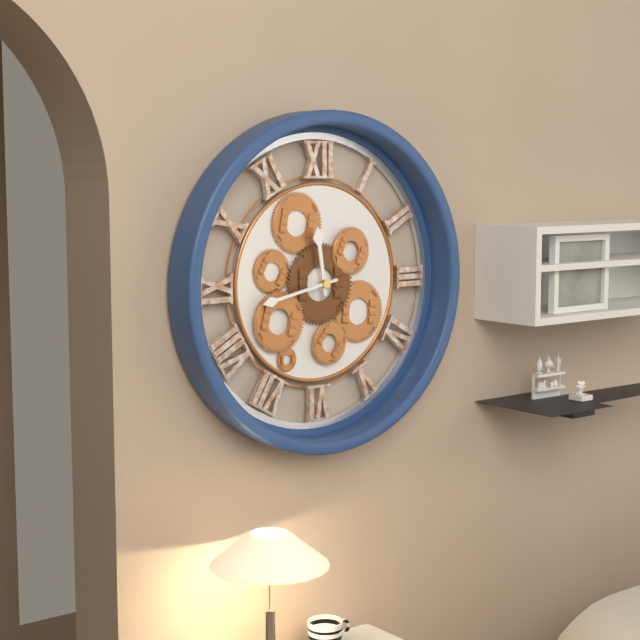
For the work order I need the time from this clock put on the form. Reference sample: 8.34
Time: 11.43
